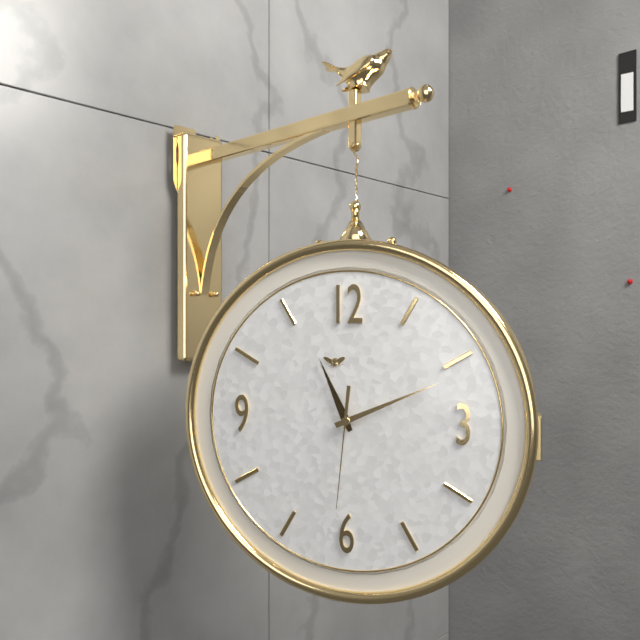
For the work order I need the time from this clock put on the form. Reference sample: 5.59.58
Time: 11.11.31
